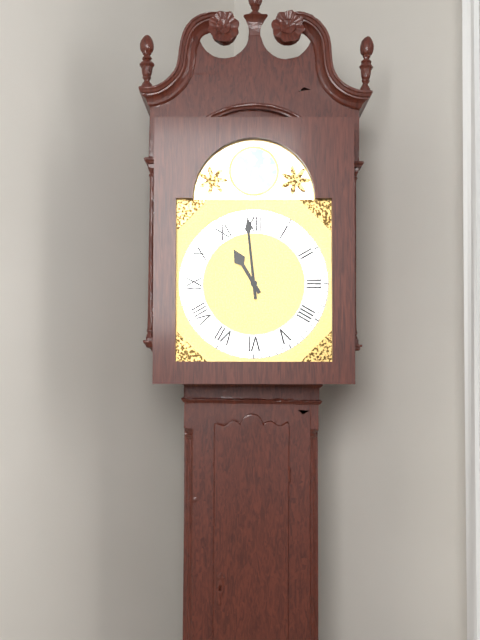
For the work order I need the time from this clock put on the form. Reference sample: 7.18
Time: 10.59
